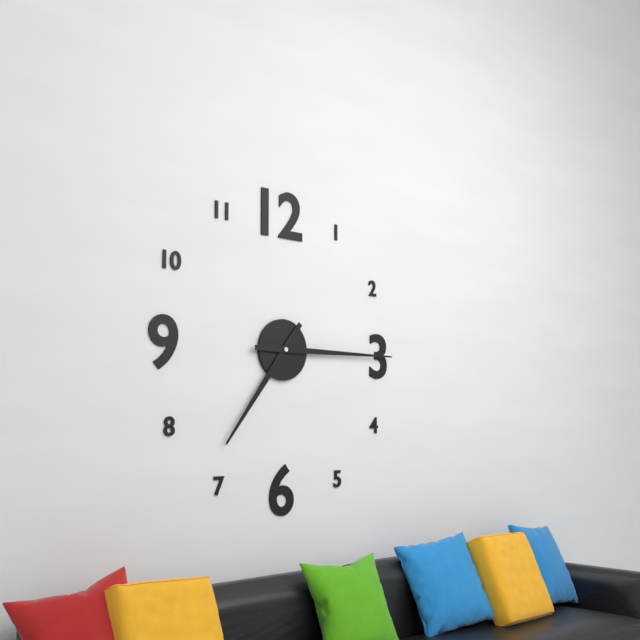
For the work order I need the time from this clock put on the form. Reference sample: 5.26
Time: 7.15
